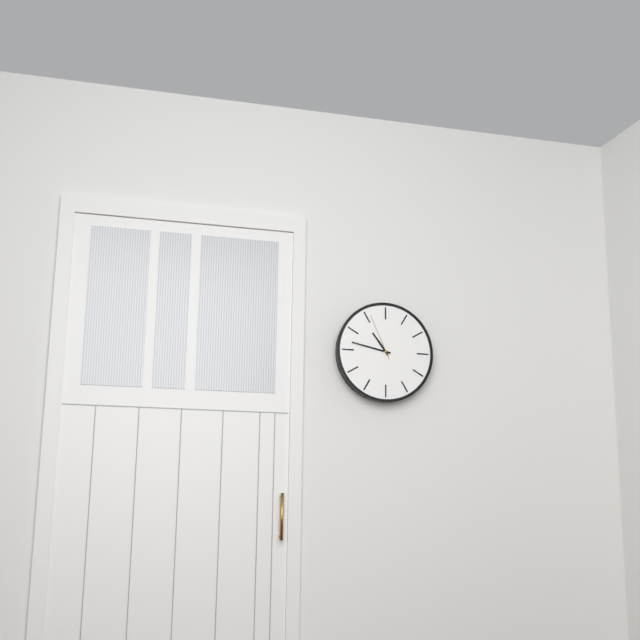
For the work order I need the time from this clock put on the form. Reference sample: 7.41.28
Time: 10.47.56
